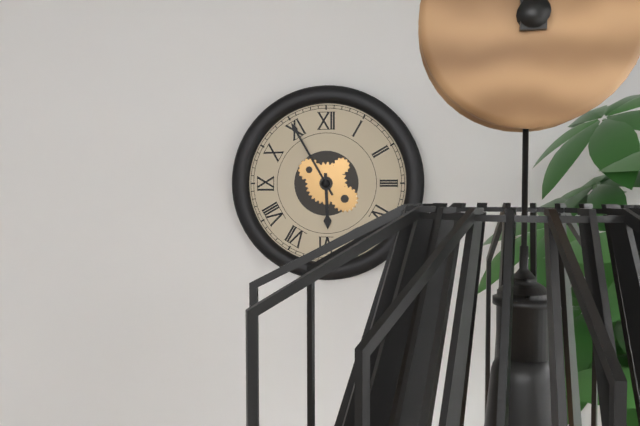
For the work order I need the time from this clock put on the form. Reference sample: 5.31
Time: 5.55
